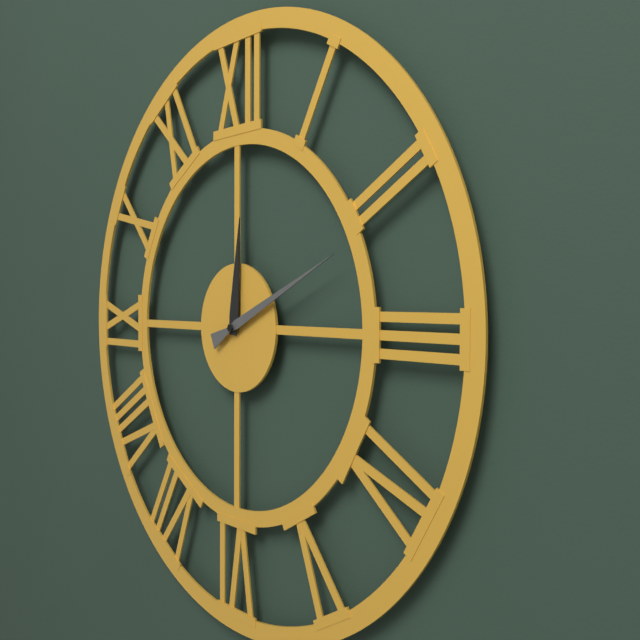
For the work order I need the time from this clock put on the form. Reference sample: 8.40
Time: 12.11
